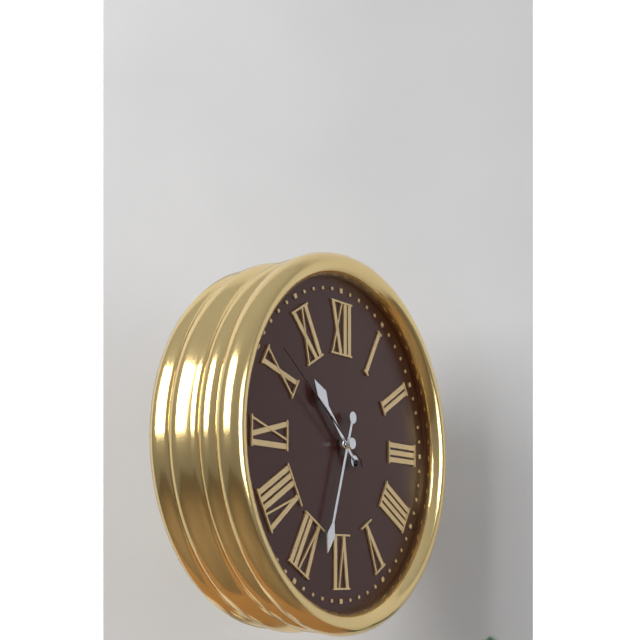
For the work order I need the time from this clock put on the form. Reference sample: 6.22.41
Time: 10.33.51
